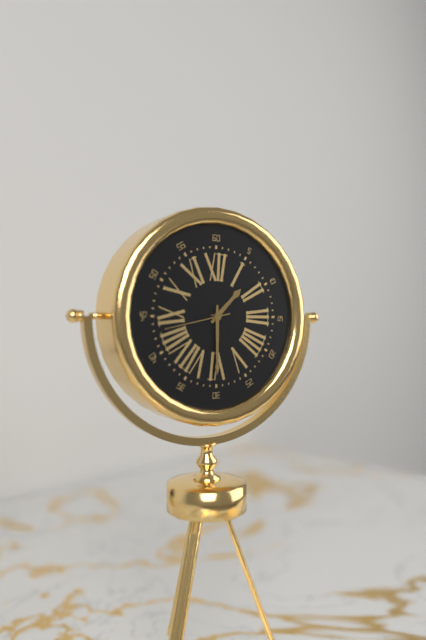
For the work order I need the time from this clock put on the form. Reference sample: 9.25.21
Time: 1.30.43
